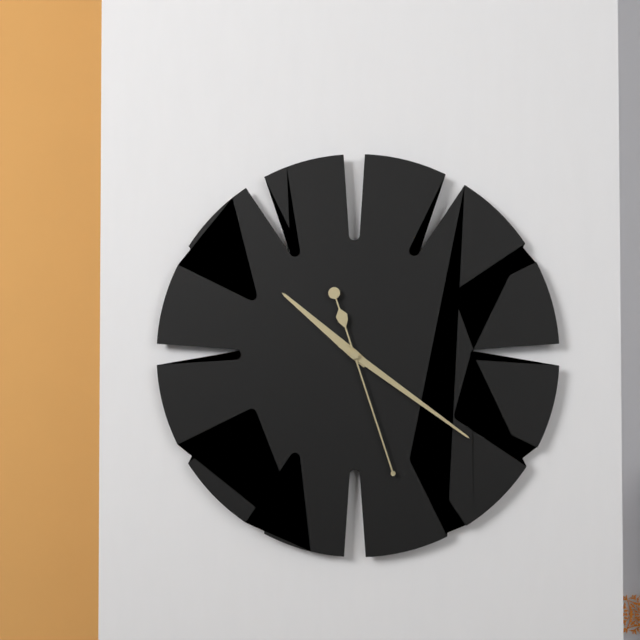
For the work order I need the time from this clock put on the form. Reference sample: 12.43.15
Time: 10.21.27
